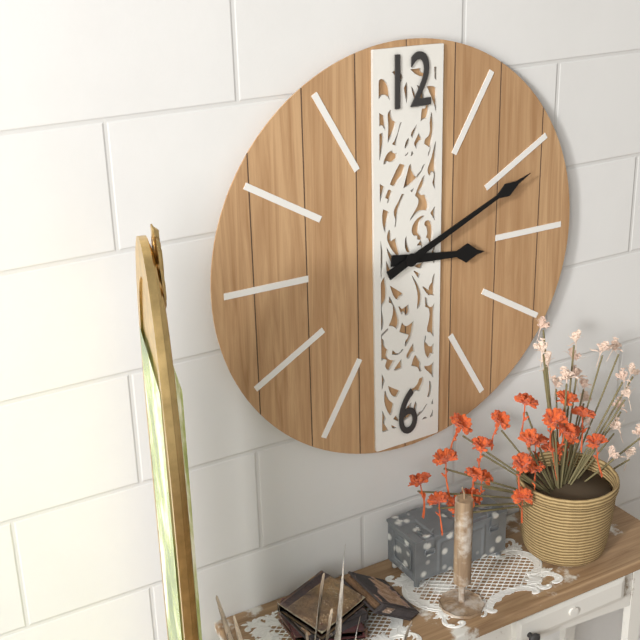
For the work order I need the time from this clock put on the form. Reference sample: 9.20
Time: 3.11
